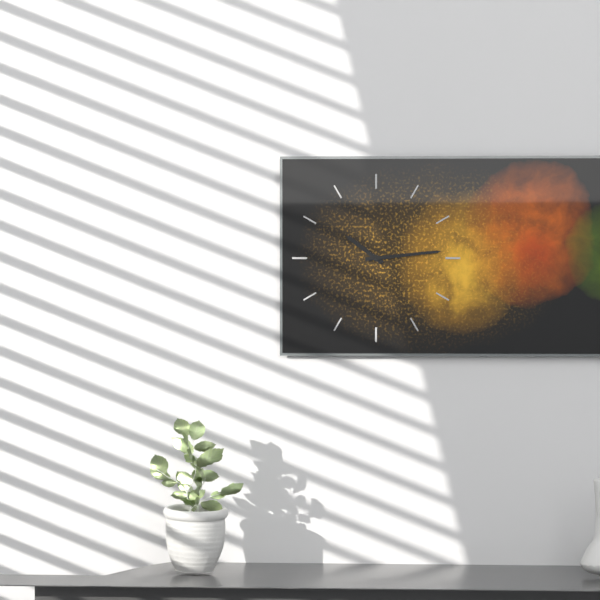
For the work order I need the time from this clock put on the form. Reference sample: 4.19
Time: 10.14
